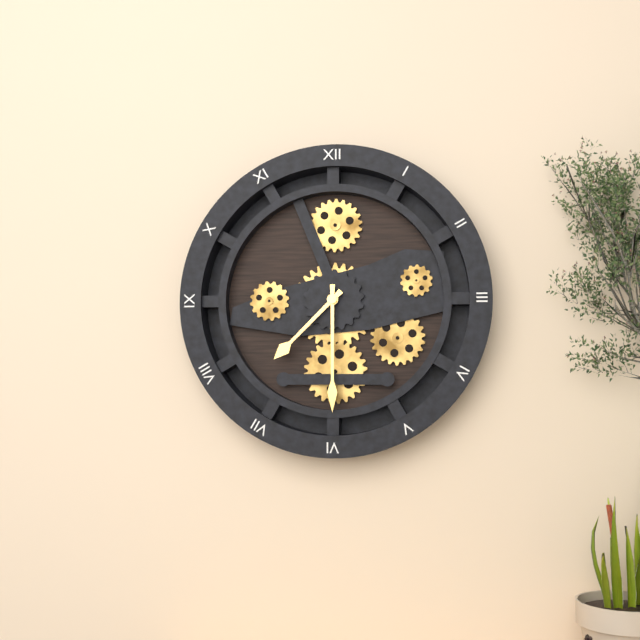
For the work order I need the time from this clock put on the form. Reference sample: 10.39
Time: 7.30
